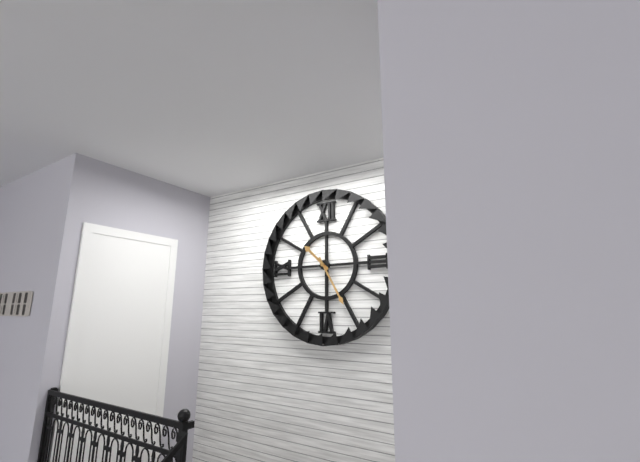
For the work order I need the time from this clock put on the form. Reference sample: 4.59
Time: 10.25
